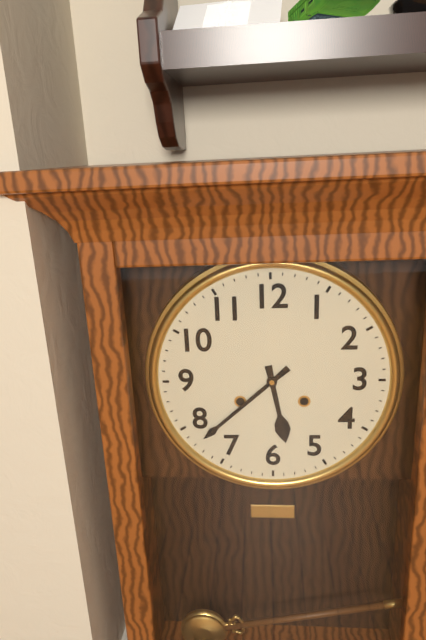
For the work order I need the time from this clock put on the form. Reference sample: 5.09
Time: 5.38
